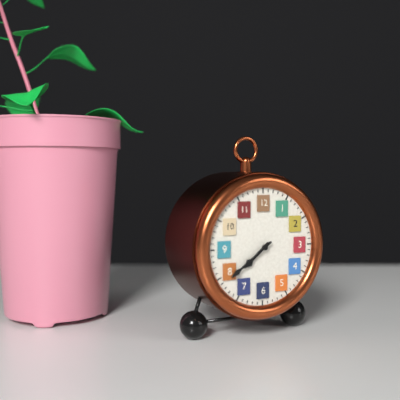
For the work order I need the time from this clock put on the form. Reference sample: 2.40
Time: 7.39
